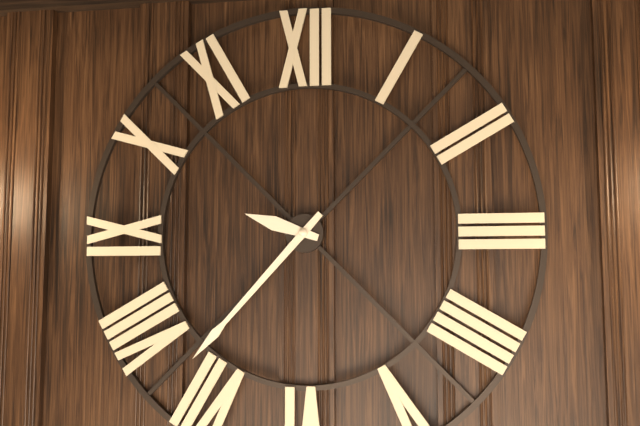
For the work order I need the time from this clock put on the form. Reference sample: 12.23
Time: 9.37
